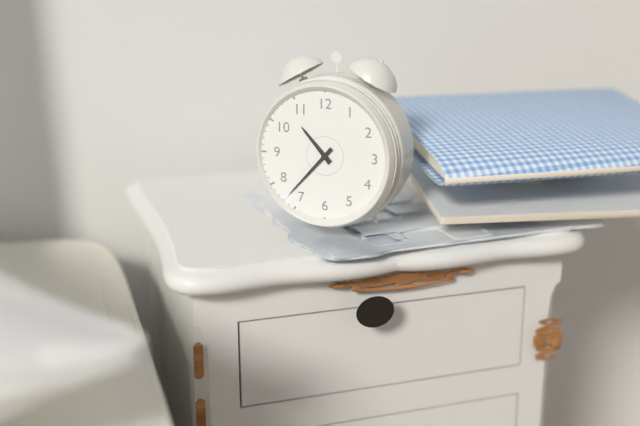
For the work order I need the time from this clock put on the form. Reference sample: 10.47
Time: 10.37
